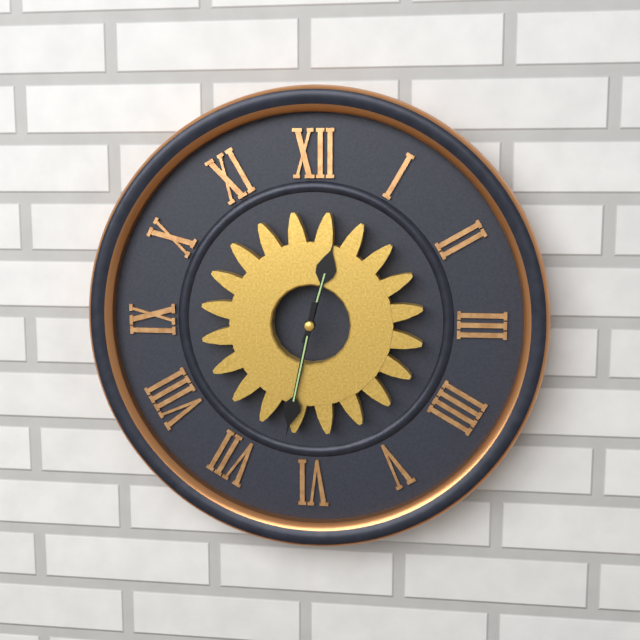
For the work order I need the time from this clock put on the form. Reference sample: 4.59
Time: 12.32
